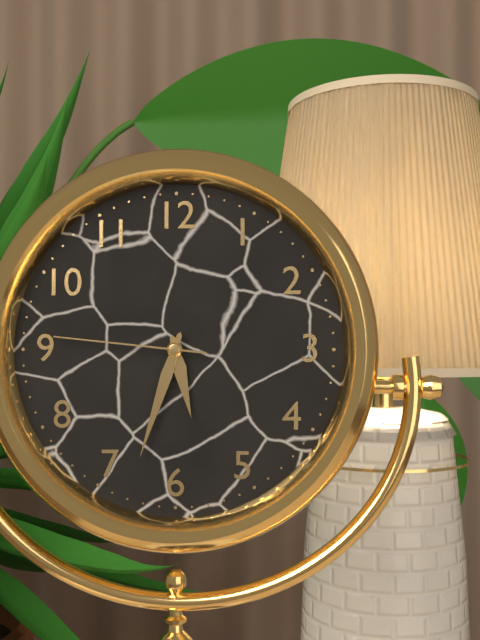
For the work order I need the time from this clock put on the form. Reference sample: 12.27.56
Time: 5.33.46
